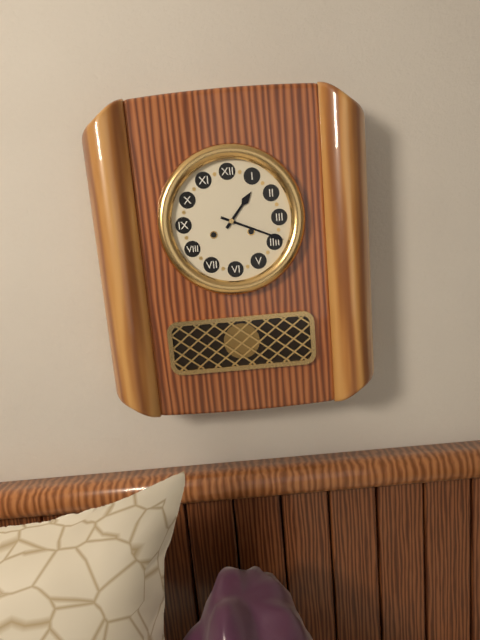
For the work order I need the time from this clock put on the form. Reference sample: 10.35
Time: 1.19
